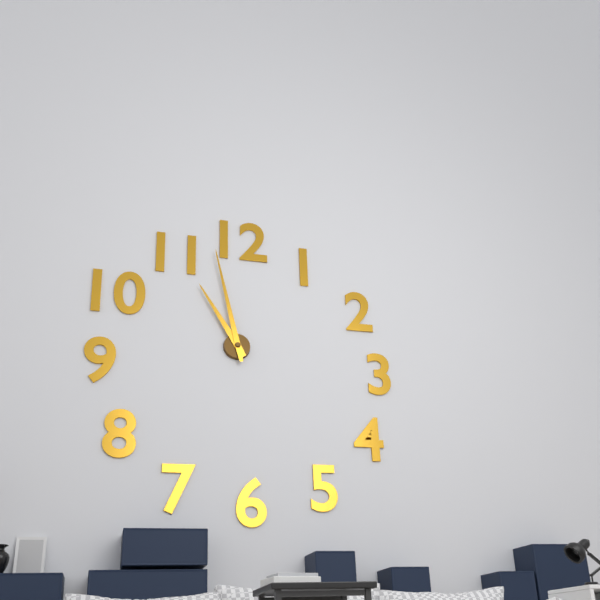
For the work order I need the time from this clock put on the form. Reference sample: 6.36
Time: 10.58
